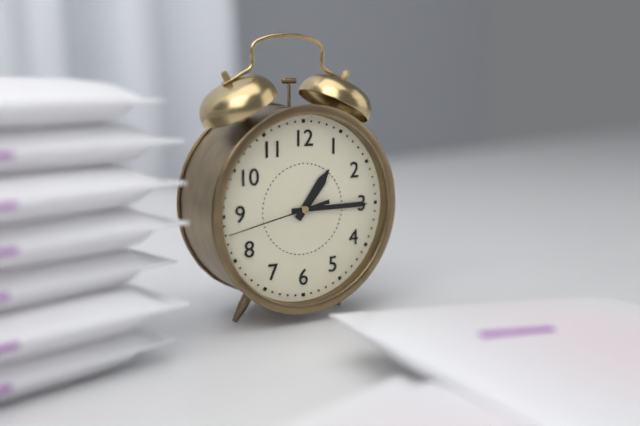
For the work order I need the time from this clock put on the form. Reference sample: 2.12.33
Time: 1.15.43
